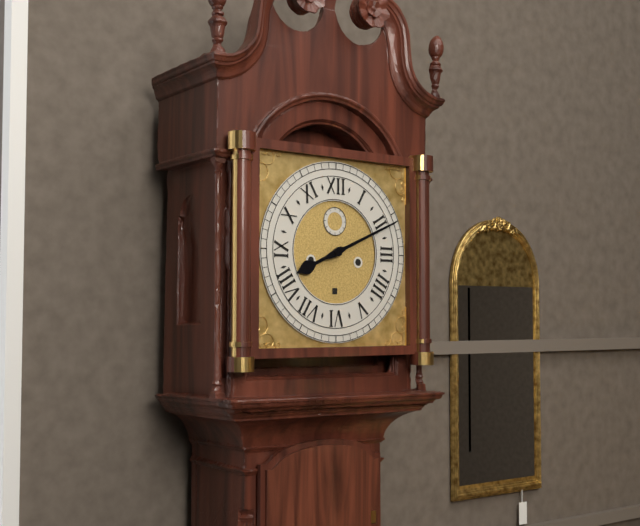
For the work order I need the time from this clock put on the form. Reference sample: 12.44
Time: 8.11
